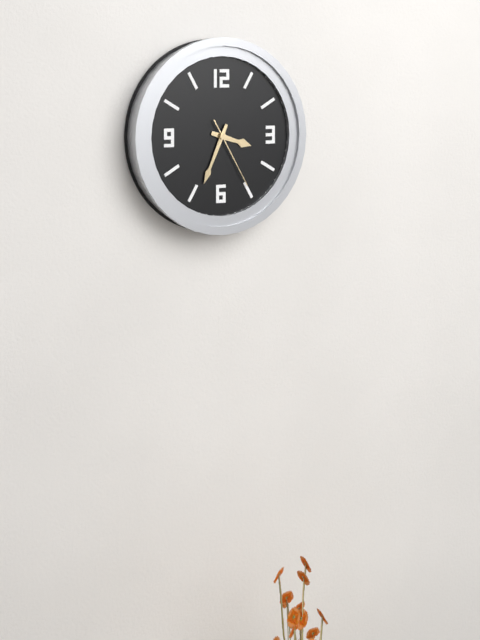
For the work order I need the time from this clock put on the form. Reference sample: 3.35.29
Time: 3.34.25
